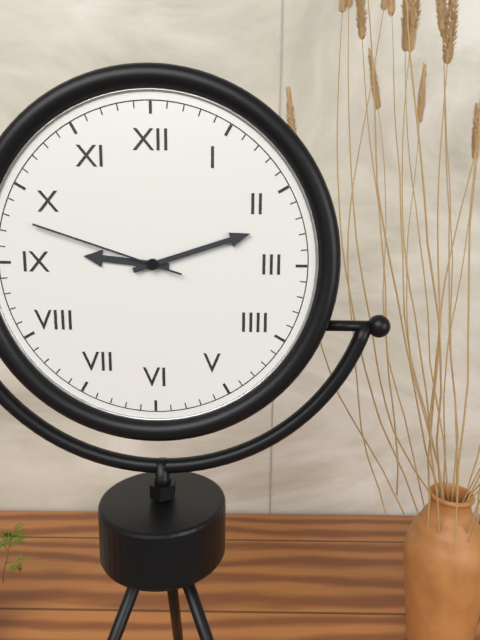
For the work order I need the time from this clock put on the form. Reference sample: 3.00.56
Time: 9.12.48
